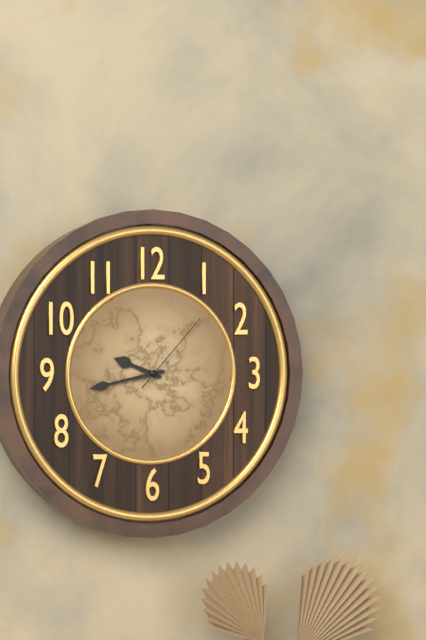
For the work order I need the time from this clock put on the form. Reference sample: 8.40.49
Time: 9.43.07
